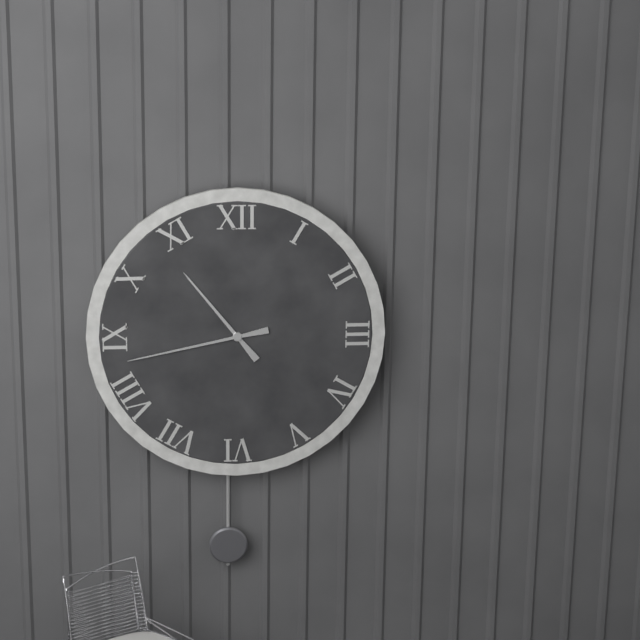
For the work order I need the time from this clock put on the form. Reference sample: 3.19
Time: 10.43
